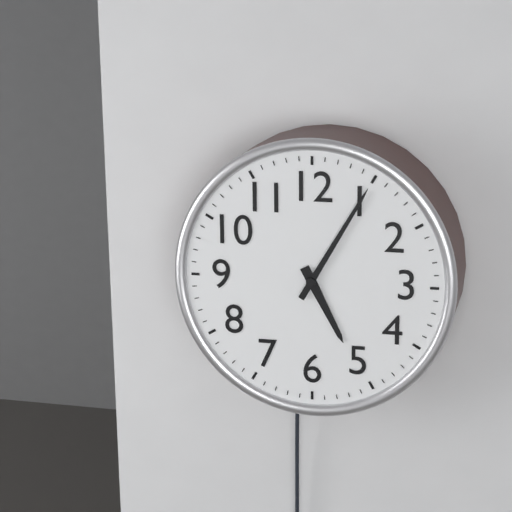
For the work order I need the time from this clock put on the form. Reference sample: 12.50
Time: 5.05
